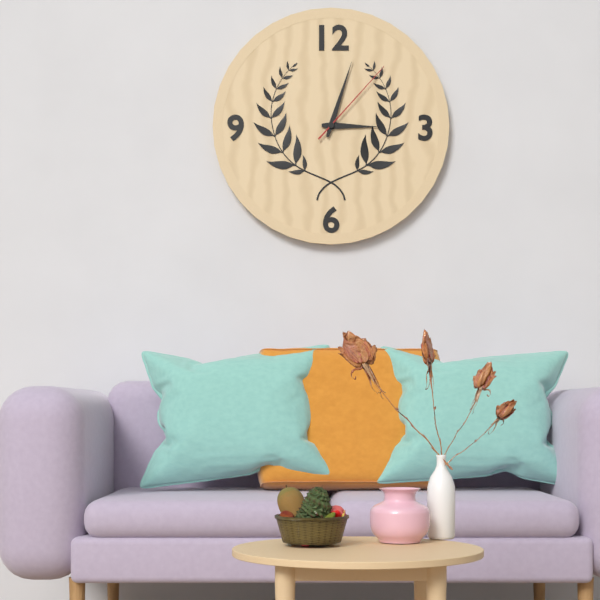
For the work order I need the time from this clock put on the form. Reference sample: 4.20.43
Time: 3.03.07
